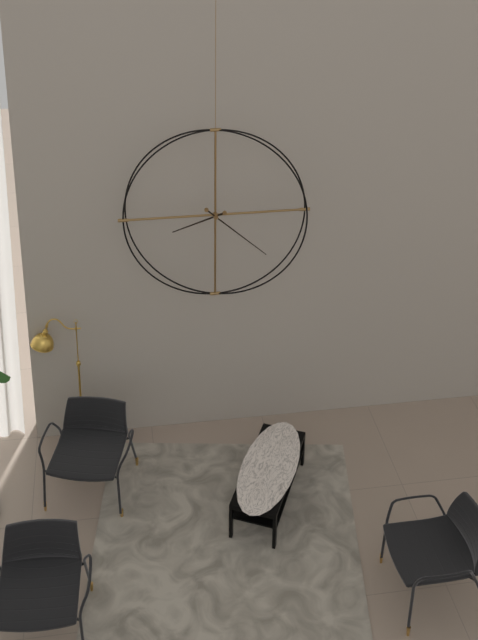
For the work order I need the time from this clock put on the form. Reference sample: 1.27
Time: 8.22
